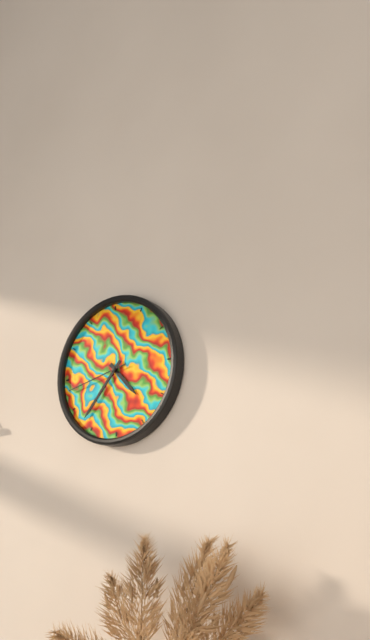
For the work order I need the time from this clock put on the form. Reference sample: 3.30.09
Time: 4.37.43
